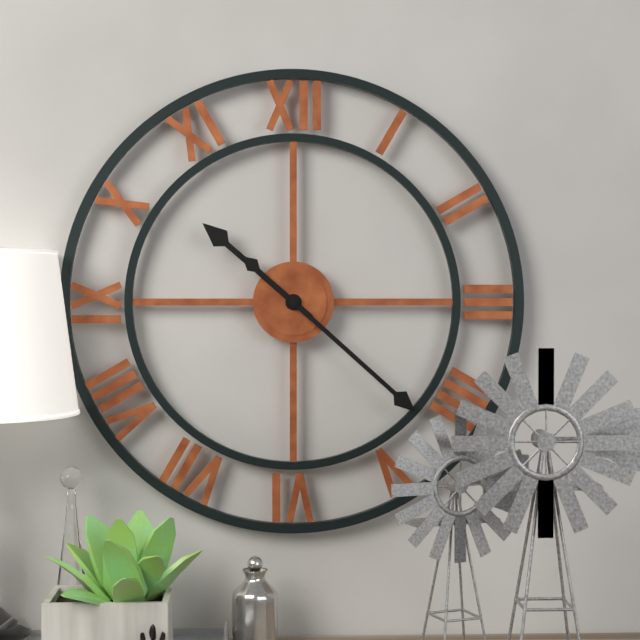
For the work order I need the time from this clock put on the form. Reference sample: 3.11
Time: 10.22
